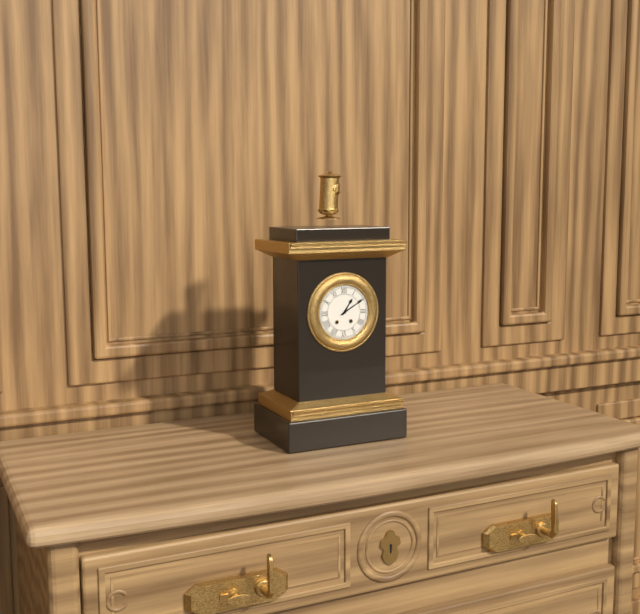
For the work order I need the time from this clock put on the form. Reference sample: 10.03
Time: 1.10
